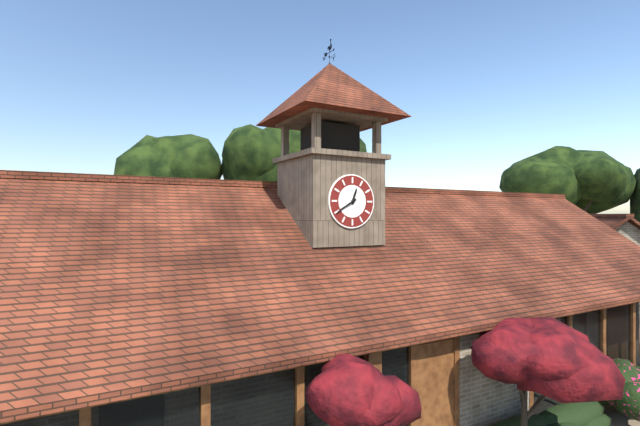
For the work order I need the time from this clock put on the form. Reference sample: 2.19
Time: 12.40
